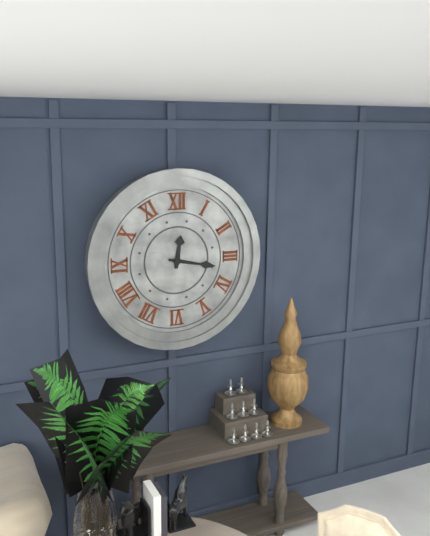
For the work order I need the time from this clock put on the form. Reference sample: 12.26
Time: 12.17
